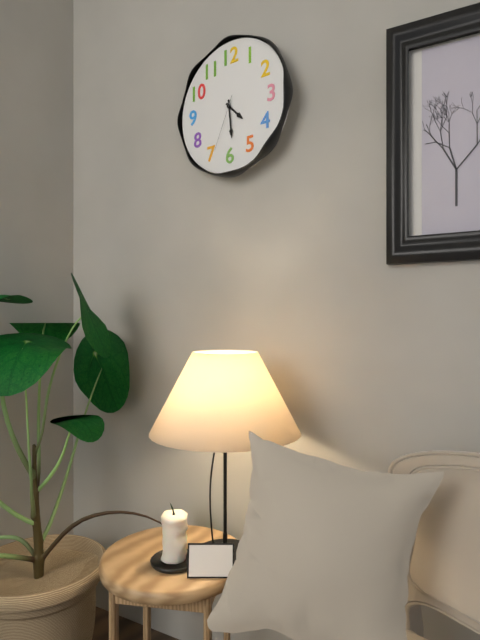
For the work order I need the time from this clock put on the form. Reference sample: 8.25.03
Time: 4.29.34
